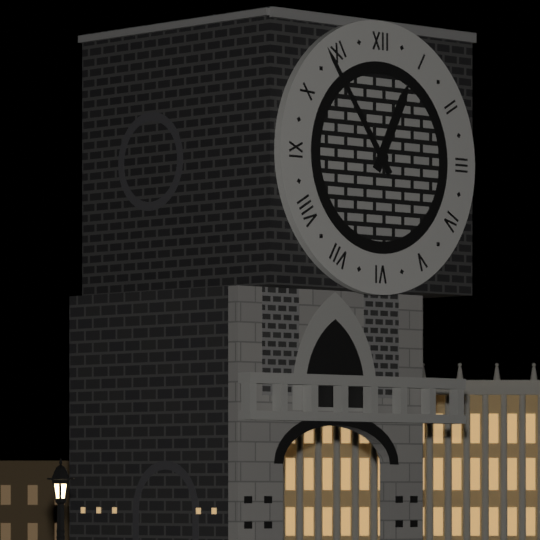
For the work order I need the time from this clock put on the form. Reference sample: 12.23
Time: 12.54
